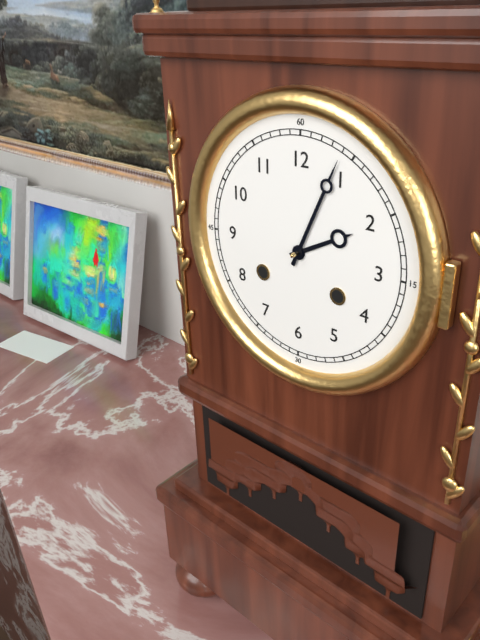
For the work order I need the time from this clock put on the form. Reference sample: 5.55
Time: 2.04
